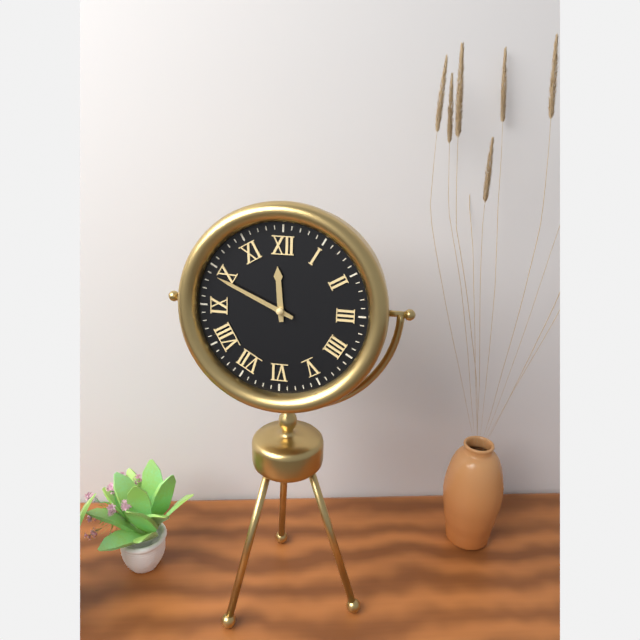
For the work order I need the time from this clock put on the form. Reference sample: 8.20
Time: 11.49
